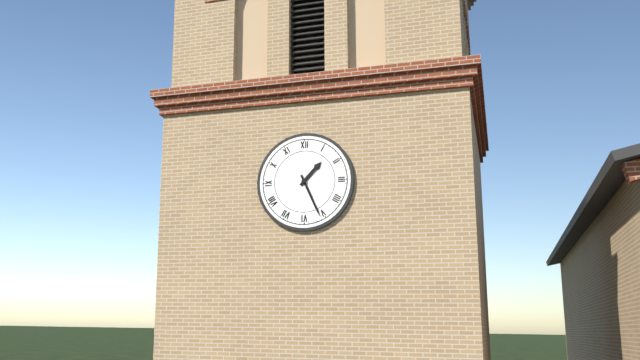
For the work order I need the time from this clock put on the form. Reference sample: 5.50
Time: 1.26
